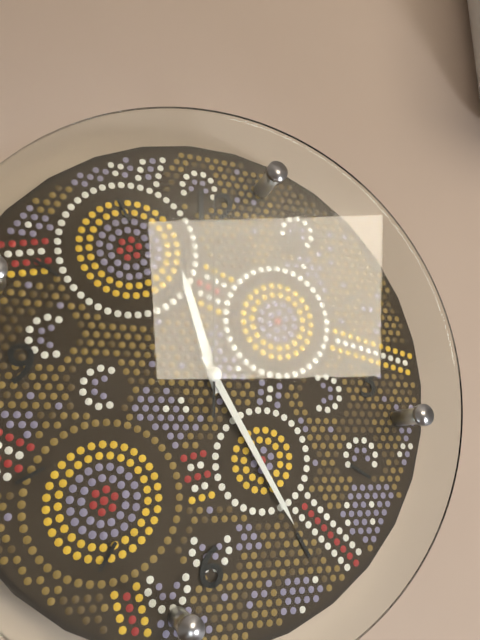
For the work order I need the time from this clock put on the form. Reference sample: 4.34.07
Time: 11.25.00
